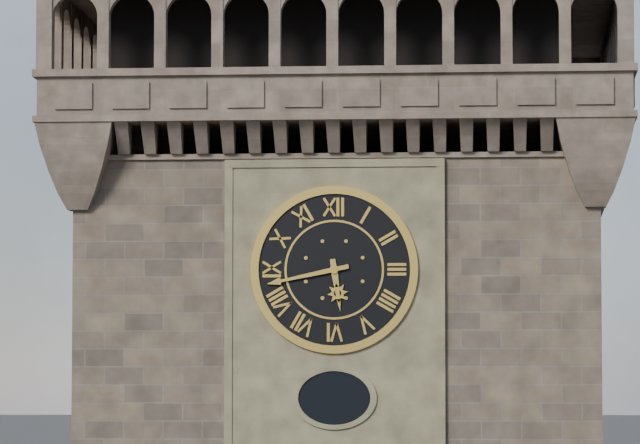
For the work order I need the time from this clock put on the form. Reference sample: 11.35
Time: 5.43
